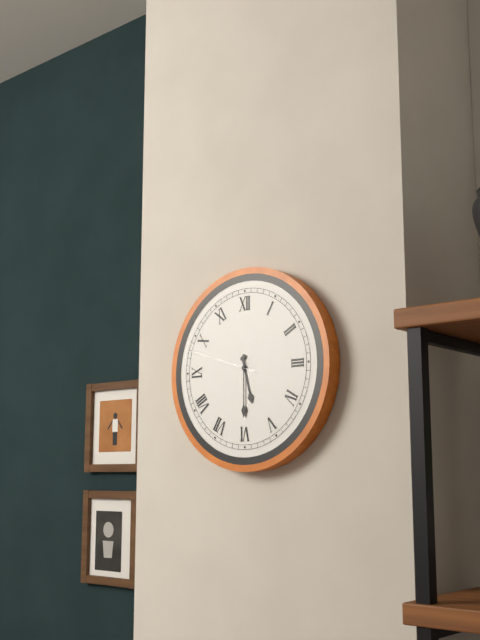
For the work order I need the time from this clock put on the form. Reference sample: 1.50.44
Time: 5.30.48
